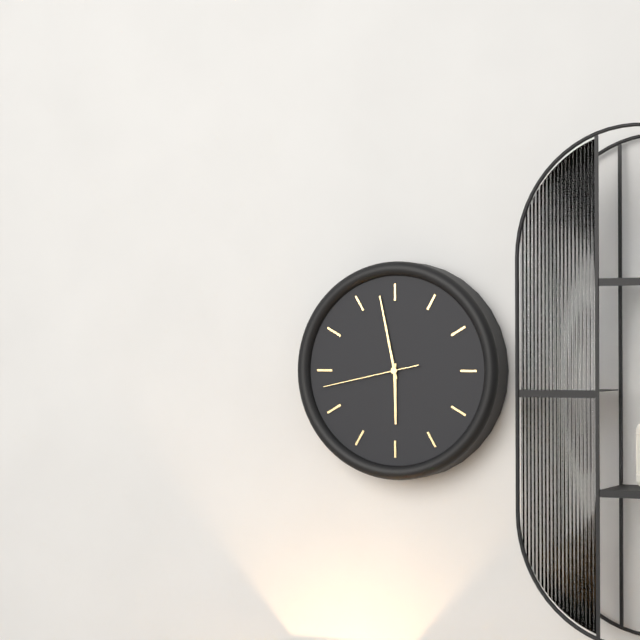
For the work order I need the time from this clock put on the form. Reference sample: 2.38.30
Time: 5.58.43
